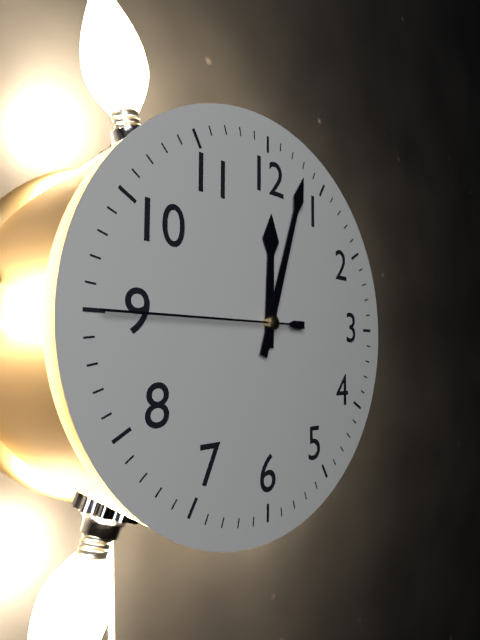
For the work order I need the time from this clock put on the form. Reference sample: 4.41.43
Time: 12.03.45
